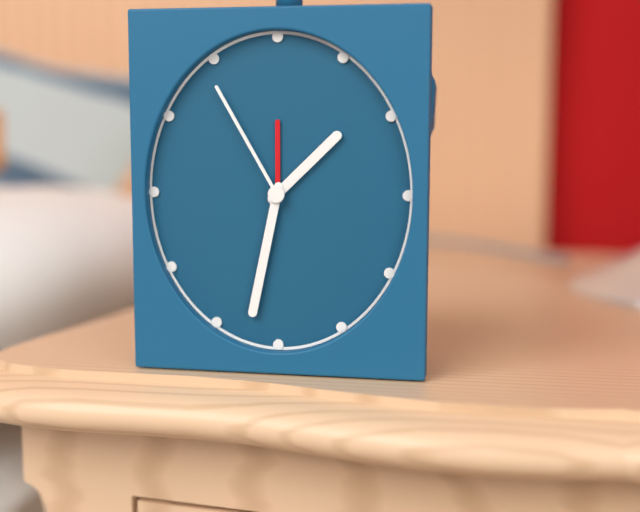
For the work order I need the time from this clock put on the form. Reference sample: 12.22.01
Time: 1.32.55
